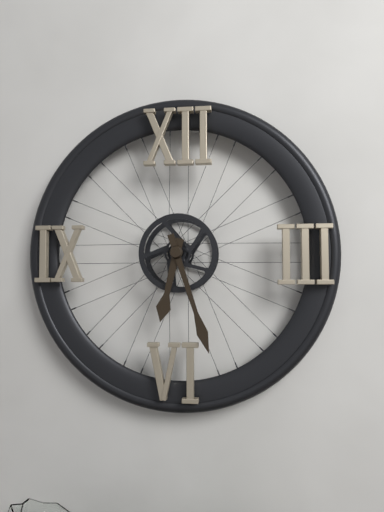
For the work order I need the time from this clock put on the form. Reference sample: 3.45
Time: 6.27
